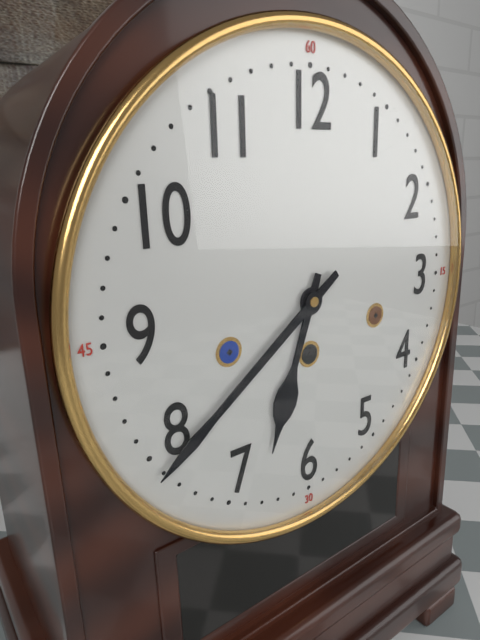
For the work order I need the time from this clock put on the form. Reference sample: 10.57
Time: 6.39
